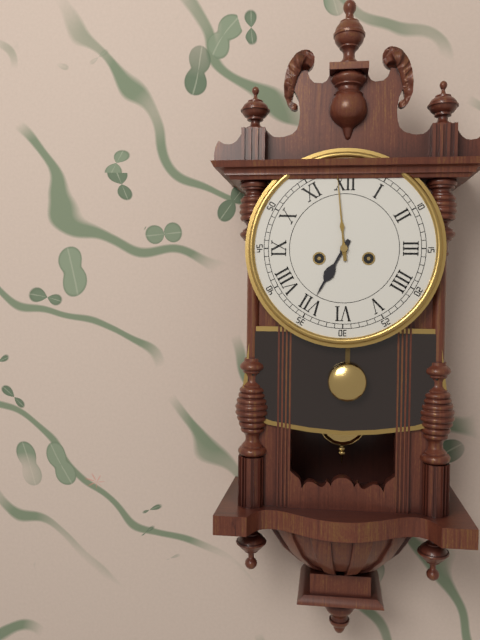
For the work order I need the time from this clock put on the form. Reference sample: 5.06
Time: 6.59
